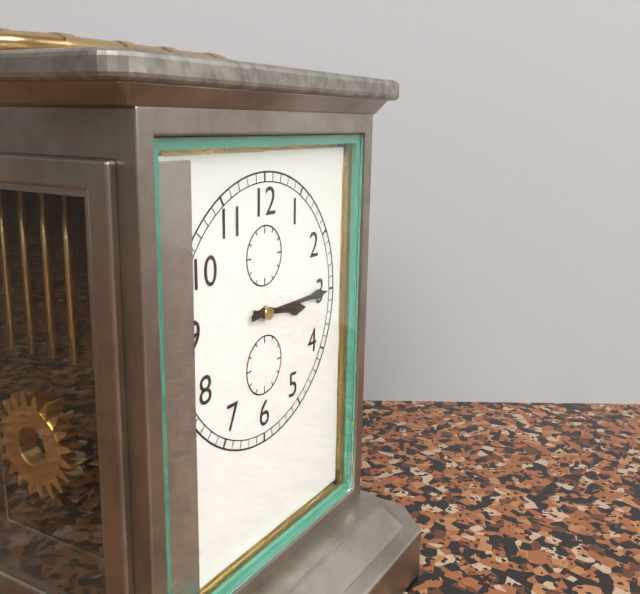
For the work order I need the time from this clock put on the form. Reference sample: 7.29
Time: 3.15
